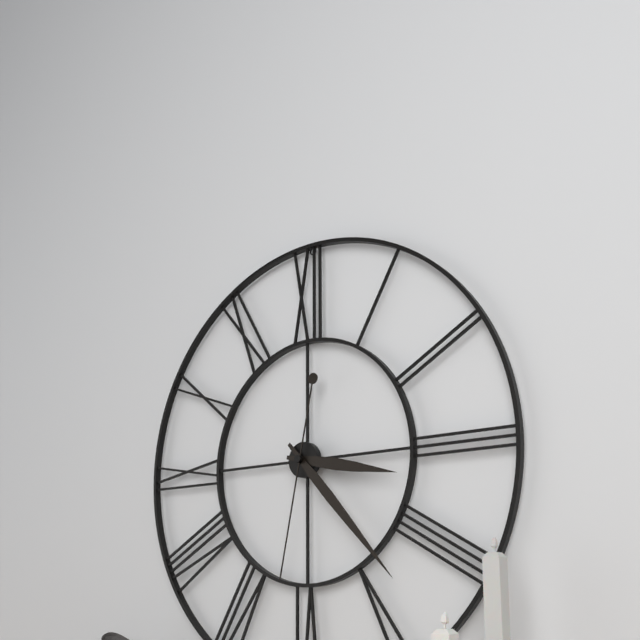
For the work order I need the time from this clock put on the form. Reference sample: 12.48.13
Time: 3.23.32
